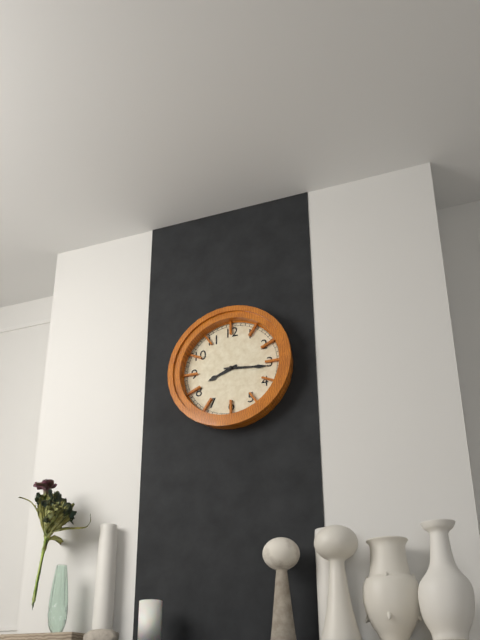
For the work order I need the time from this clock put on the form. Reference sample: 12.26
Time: 8.16
